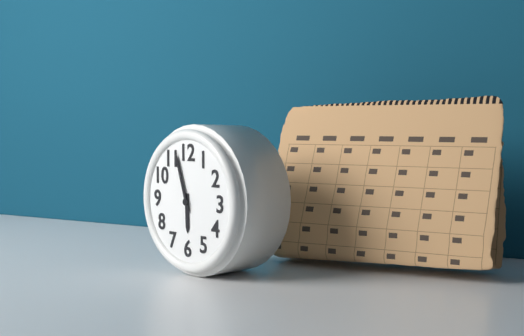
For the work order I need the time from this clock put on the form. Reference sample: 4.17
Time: 5.57
